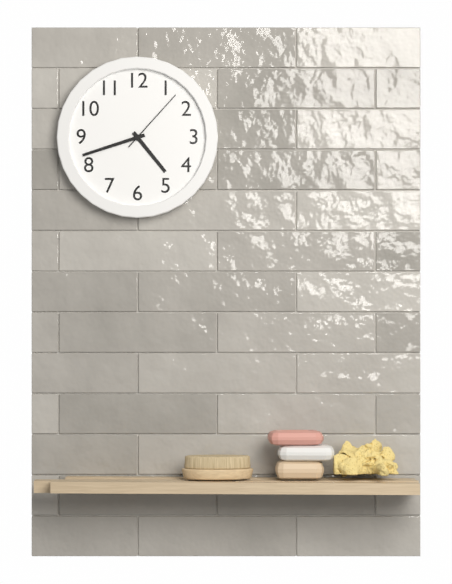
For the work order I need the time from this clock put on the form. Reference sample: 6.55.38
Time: 4.42.07
